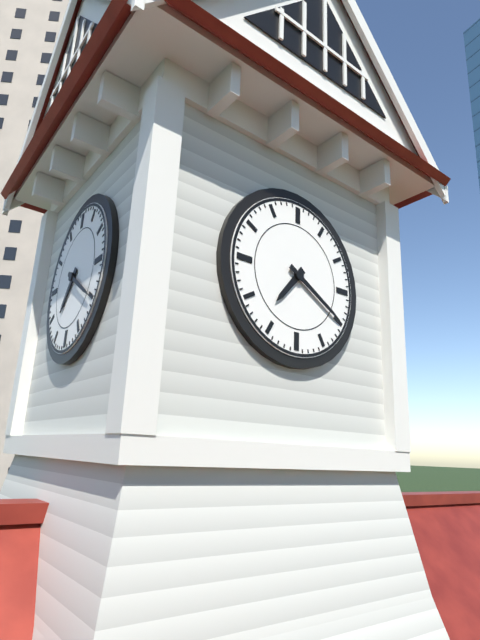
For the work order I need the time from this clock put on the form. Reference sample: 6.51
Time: 7.20
